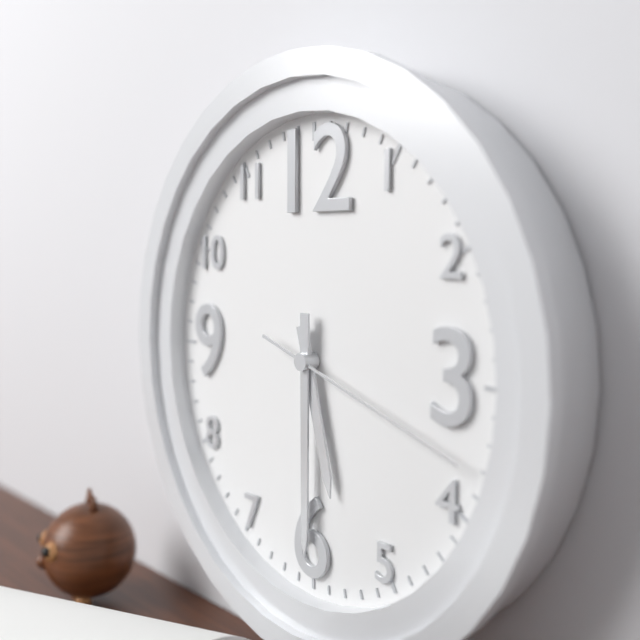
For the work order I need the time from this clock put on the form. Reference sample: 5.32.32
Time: 5.30.18
